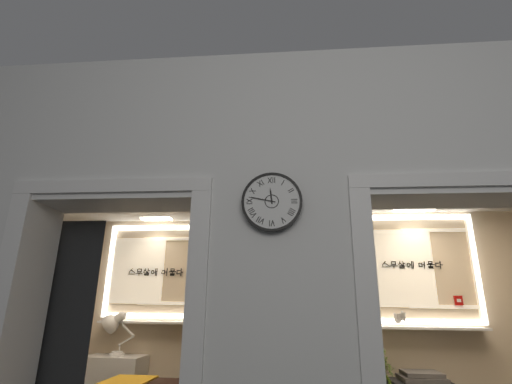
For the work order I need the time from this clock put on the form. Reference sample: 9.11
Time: 11.47
